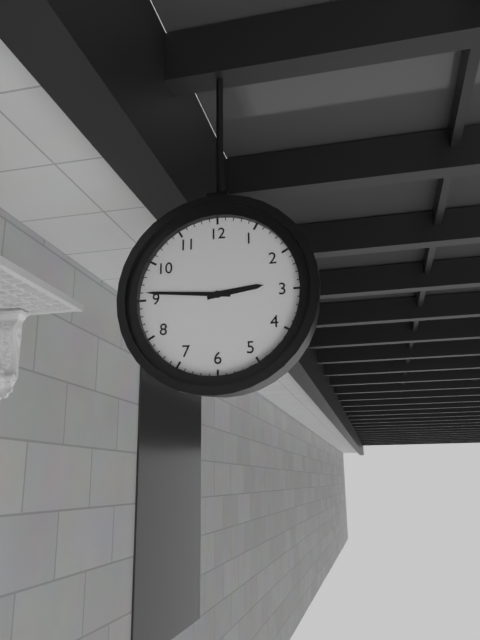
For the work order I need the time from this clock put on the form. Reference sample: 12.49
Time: 2.46
